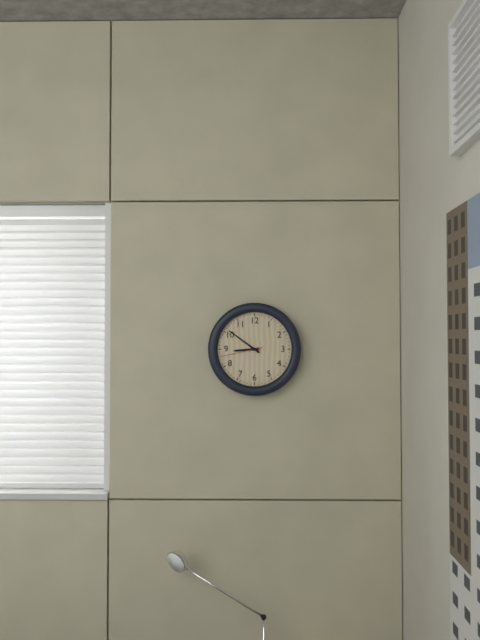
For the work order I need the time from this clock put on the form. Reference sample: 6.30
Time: 8.51
